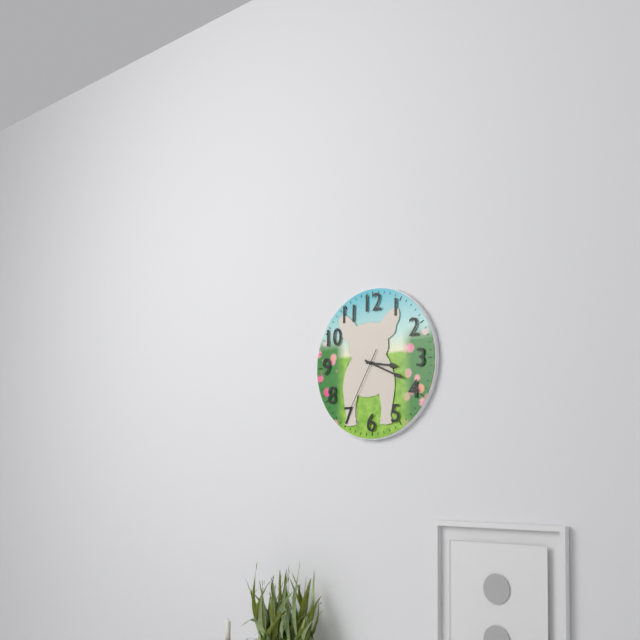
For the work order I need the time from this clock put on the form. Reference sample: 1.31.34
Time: 3.19.35
